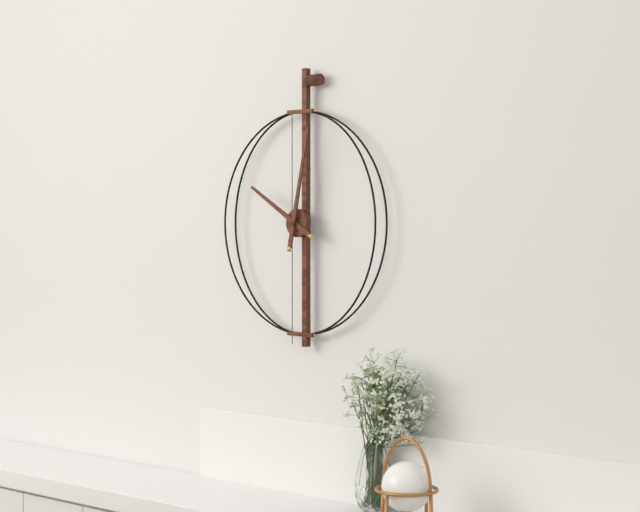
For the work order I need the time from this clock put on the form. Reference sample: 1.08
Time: 10.02
